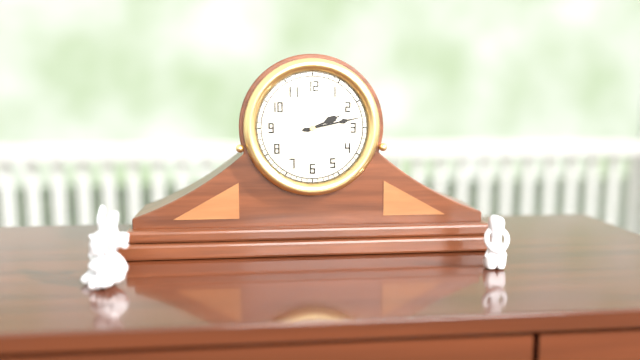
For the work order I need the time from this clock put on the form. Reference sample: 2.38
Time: 2.13
